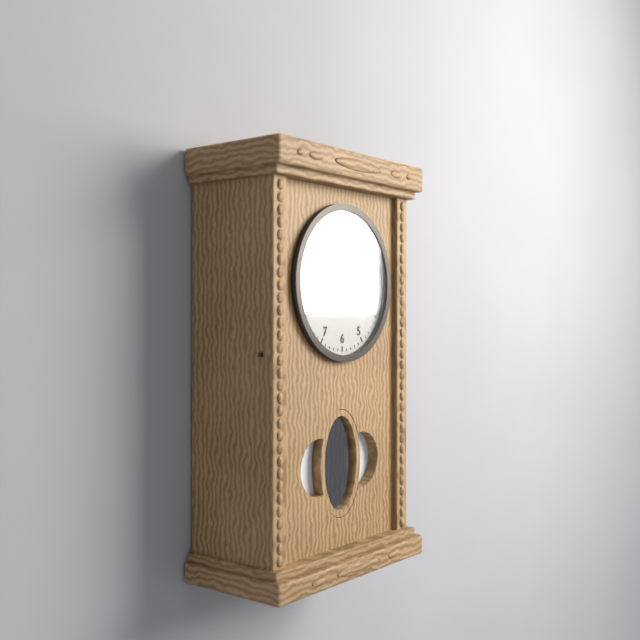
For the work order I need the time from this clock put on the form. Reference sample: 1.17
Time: 2.43
